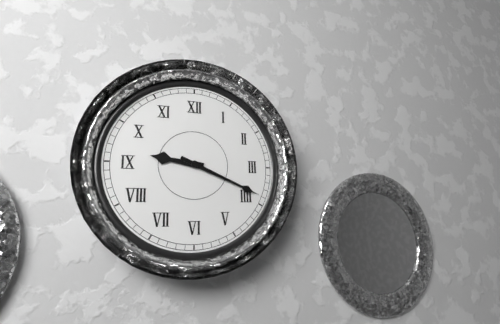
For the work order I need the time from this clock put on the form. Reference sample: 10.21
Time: 9.19
